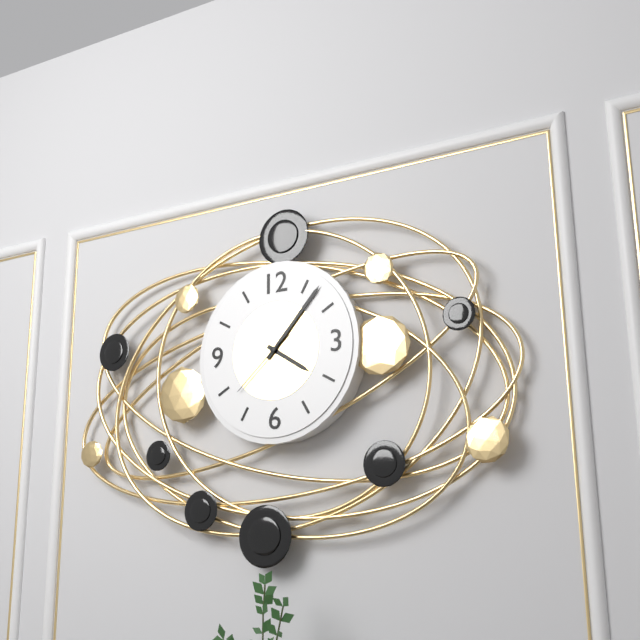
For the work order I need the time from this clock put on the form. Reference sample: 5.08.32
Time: 4.07.38
